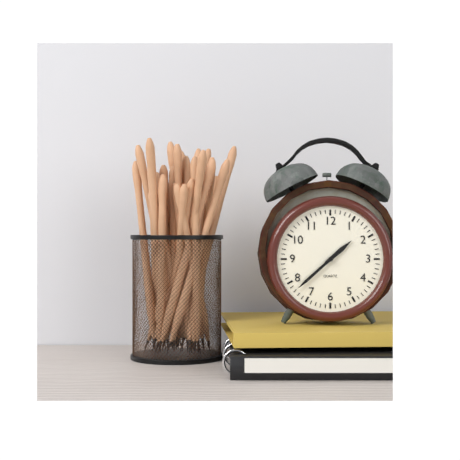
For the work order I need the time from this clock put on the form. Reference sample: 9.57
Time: 1.38
